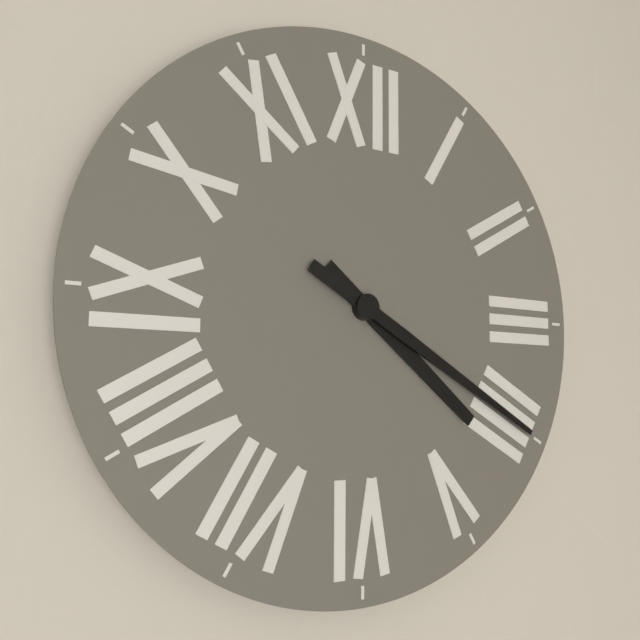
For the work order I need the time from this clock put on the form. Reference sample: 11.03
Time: 4.20
